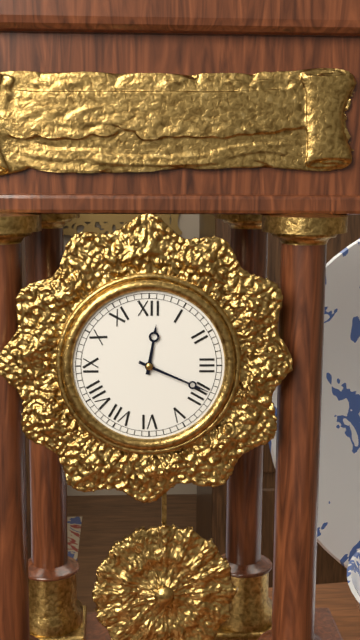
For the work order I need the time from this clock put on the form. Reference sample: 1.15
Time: 12.19
